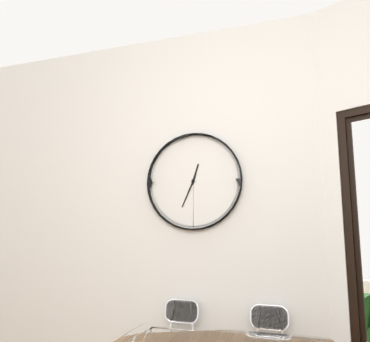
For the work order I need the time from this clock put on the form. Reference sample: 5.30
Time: 12.34
